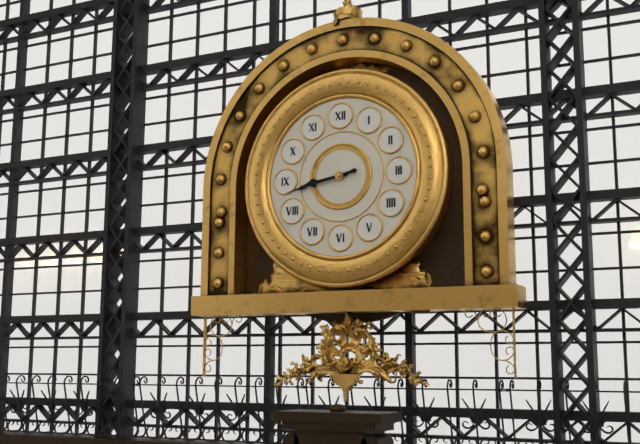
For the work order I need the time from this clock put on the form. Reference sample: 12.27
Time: 8.43
